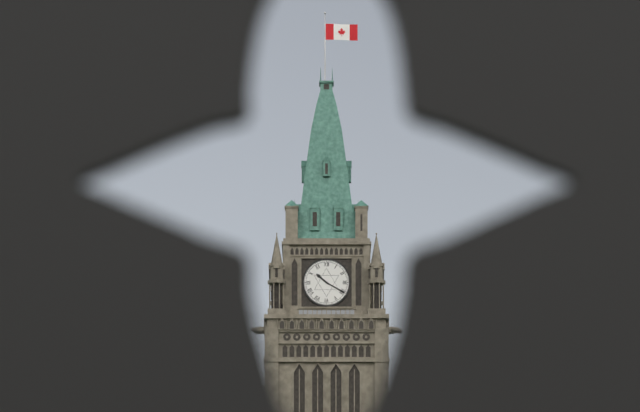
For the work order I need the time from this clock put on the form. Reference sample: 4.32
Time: 10.20
